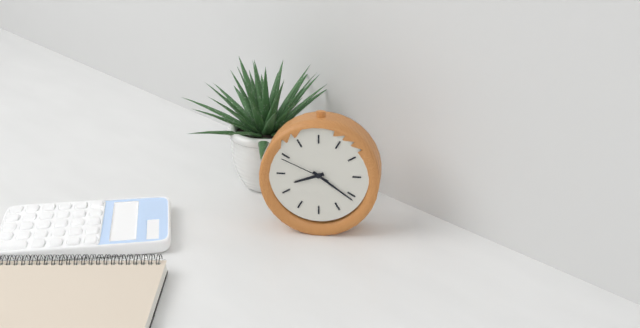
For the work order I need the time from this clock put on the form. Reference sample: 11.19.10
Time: 8.21.49
